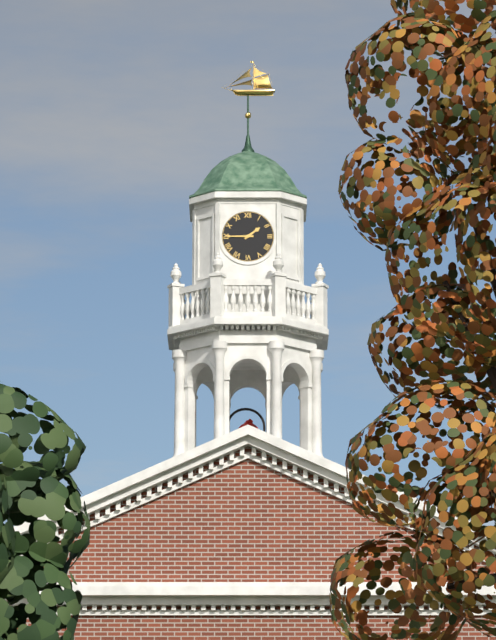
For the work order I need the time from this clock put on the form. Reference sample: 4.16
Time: 1.45
